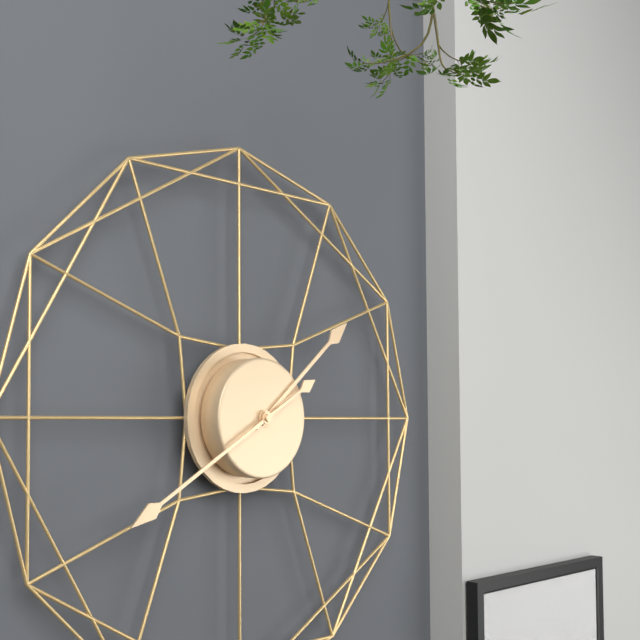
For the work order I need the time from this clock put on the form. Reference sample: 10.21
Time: 1.40
